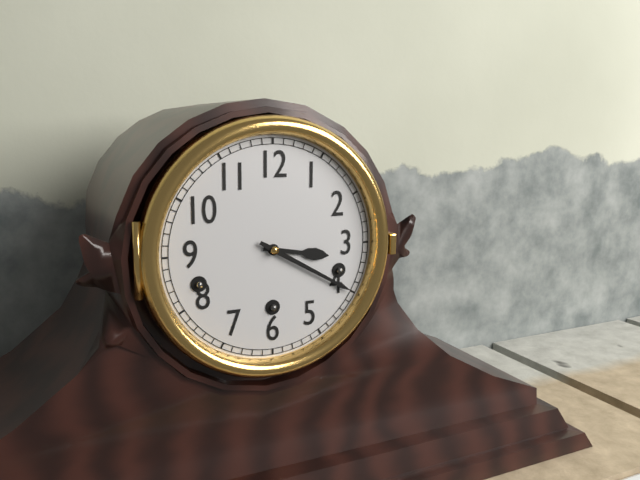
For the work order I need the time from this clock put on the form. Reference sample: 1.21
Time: 3.20
